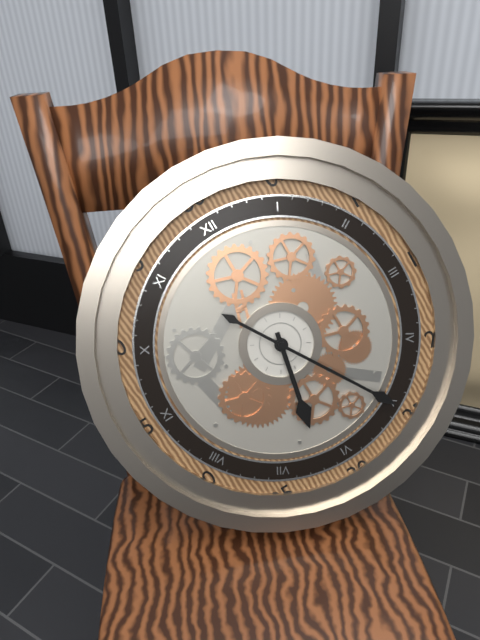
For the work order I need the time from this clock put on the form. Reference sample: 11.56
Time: 6.25
